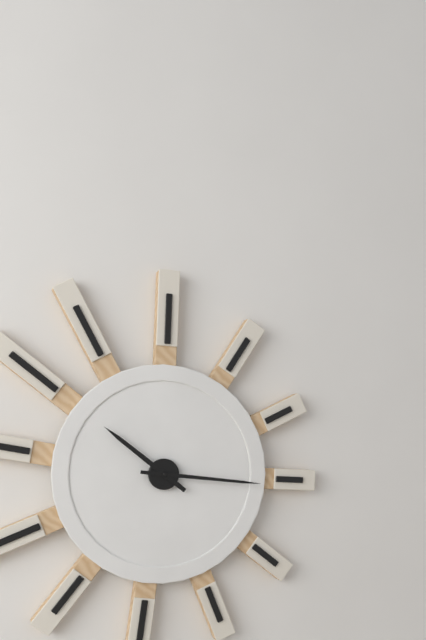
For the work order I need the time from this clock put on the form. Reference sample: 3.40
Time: 10.16
